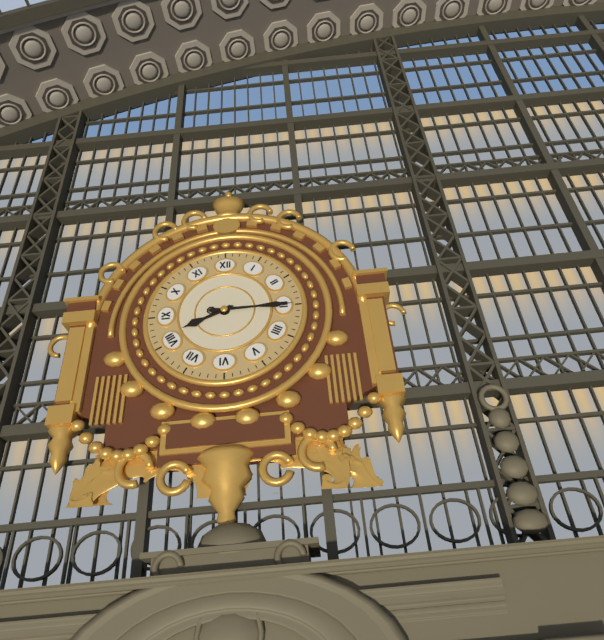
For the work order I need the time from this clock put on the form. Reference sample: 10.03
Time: 8.15
